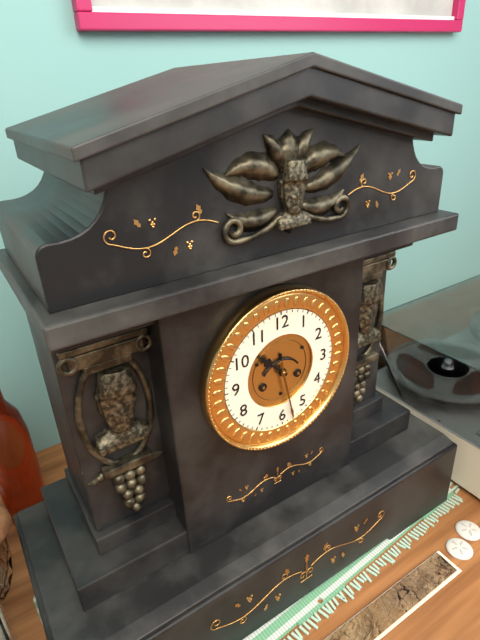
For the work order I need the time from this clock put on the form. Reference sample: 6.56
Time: 10.28
